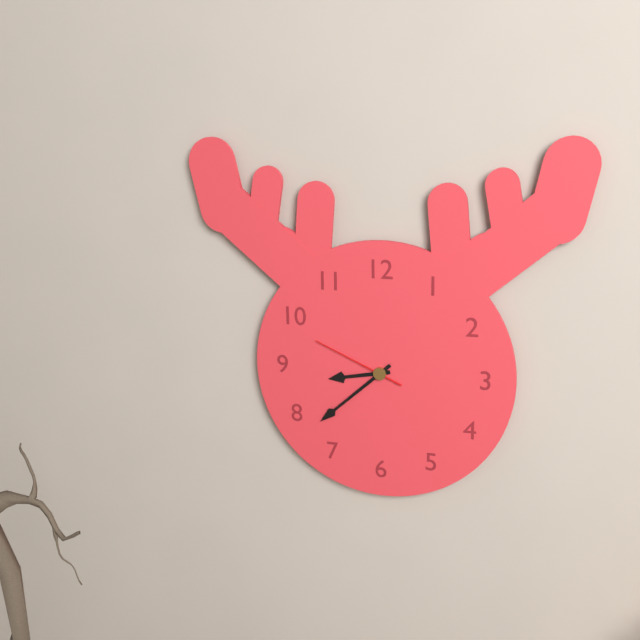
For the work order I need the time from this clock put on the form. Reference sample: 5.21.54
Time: 8.38.49
